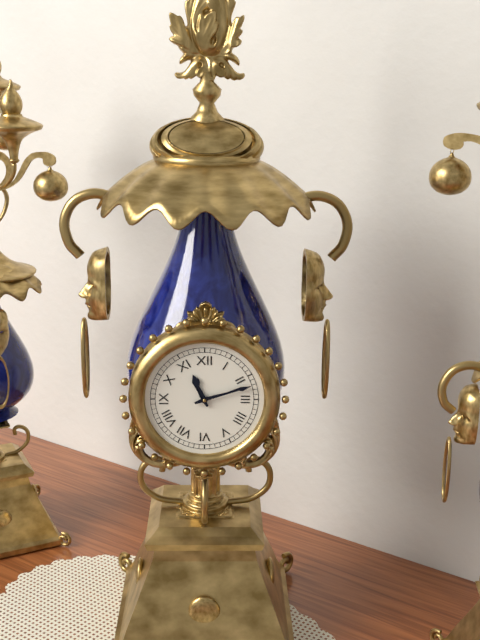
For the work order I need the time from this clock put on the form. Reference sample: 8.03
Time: 11.12
